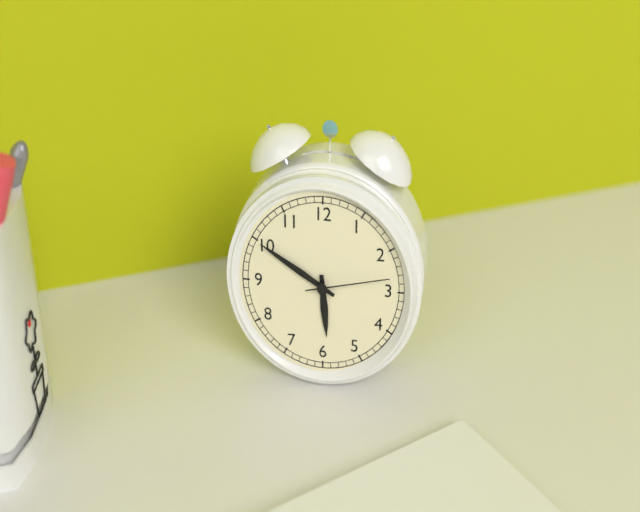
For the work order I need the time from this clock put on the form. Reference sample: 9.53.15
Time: 5.50.13
